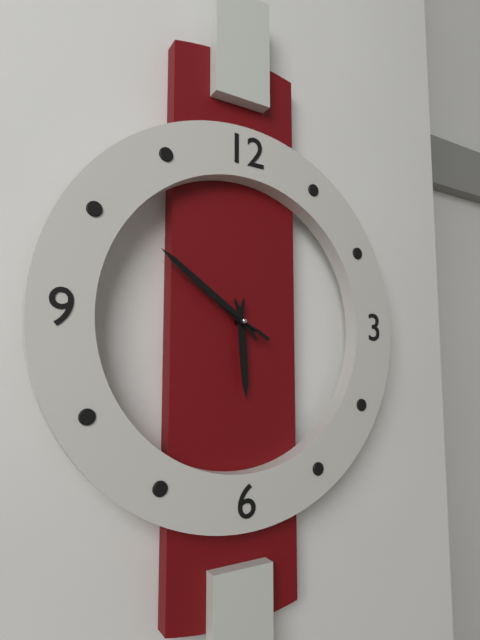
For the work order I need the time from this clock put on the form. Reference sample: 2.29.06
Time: 5.51.50
